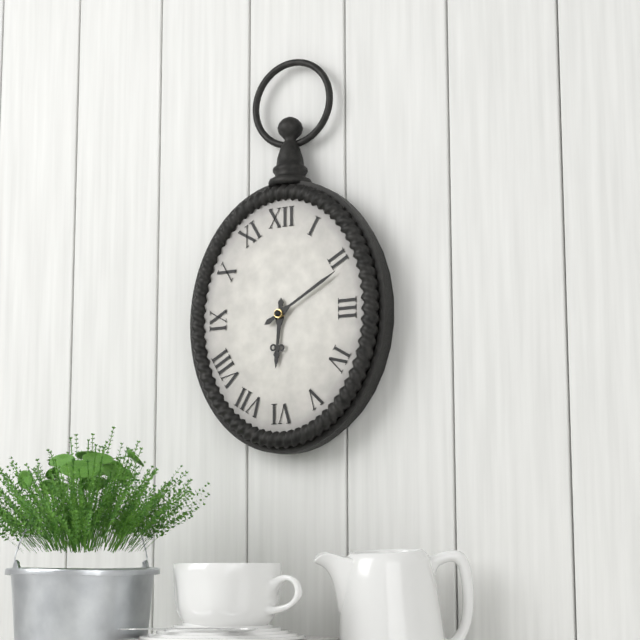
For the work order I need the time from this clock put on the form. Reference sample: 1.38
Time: 6.10
